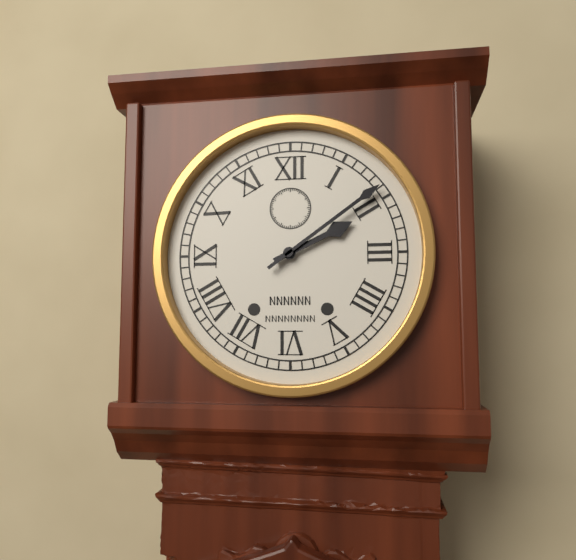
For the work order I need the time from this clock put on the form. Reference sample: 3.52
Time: 2.09
